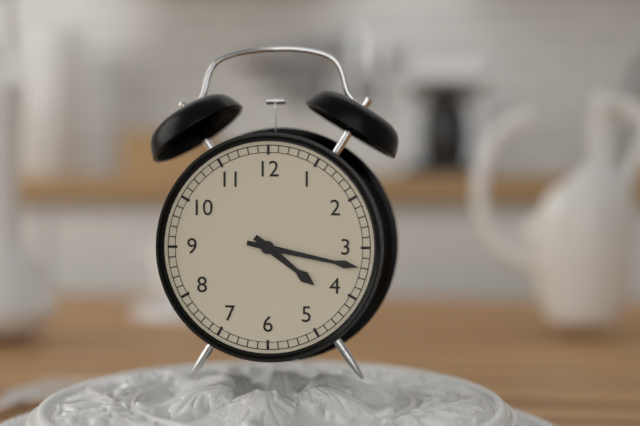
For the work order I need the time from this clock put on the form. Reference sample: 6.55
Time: 4.17
